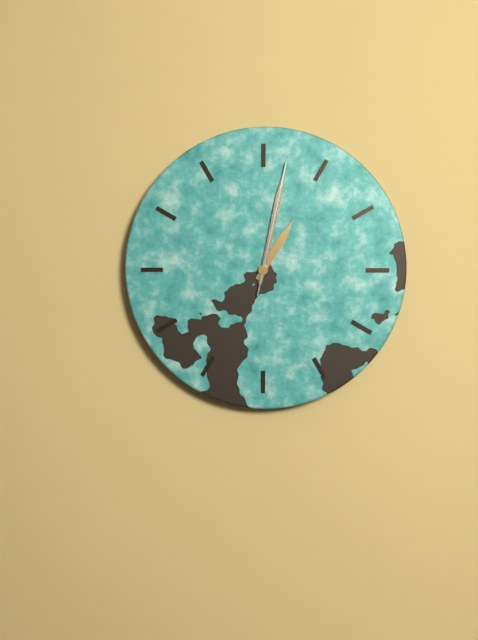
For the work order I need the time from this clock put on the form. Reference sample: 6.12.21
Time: 1.02.02
